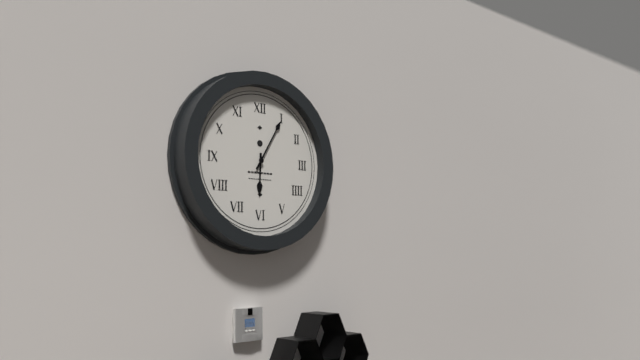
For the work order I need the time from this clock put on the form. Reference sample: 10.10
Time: 6.05
